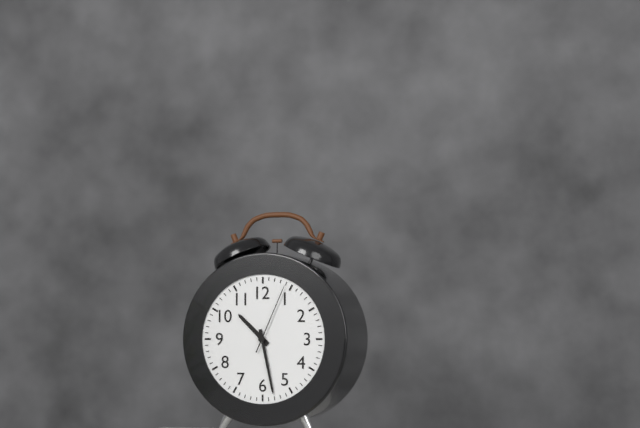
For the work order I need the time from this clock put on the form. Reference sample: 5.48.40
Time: 10.28.04
